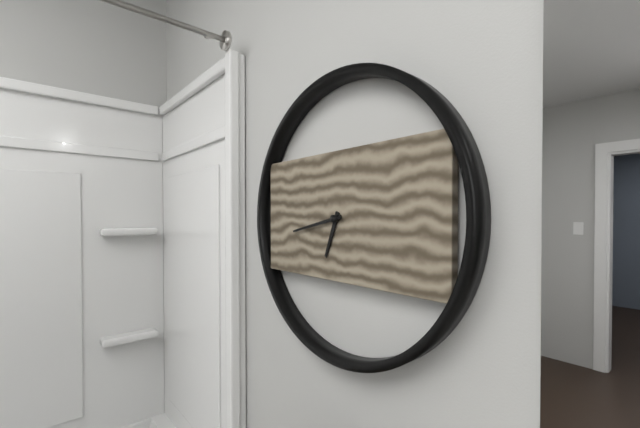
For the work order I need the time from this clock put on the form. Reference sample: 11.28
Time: 6.43
